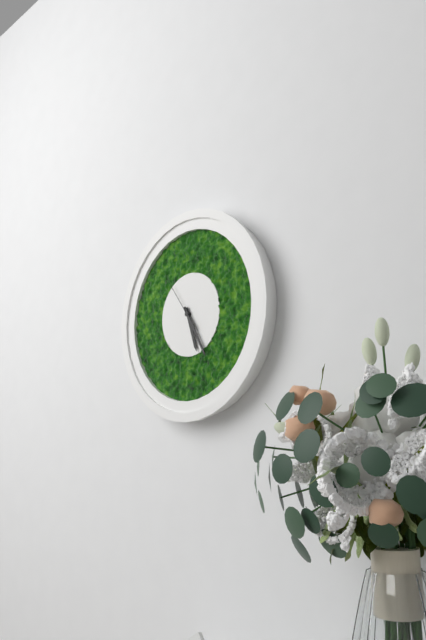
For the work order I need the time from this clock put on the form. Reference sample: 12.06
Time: 5.25
